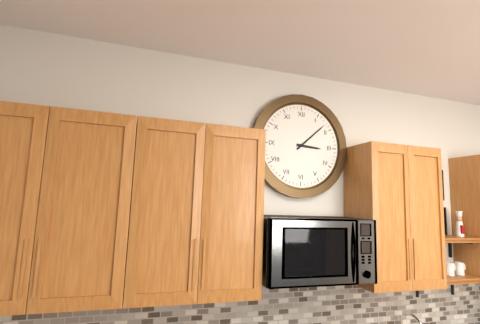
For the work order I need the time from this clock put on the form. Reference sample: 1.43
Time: 3.08
